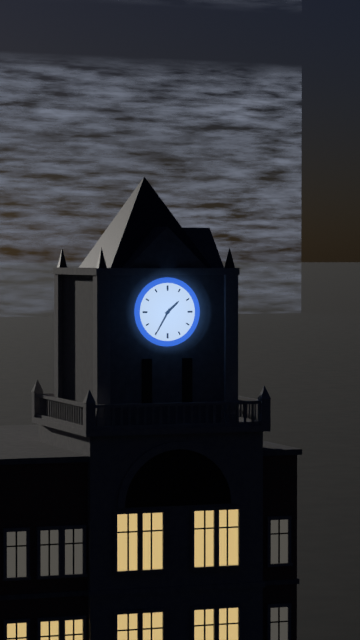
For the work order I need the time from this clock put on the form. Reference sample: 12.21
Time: 1.35
